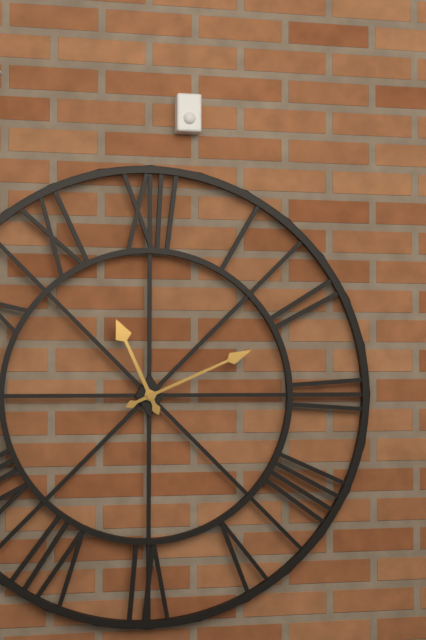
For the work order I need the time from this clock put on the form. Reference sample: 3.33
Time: 11.11
